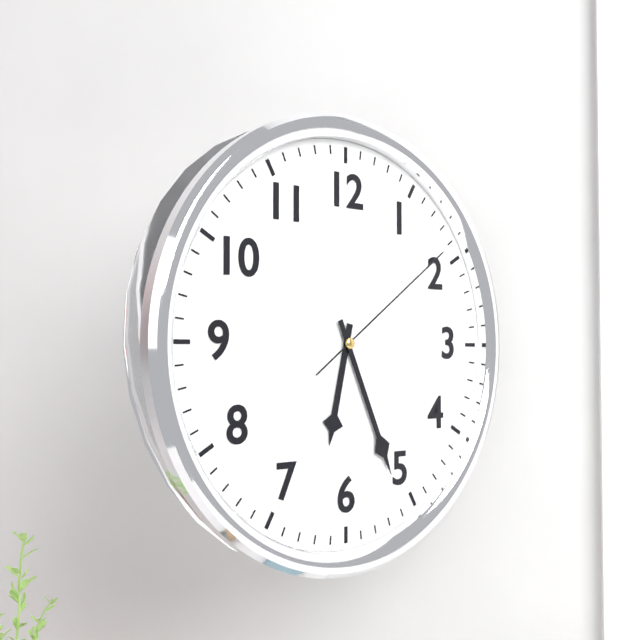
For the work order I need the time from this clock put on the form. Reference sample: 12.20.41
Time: 6.26.09
